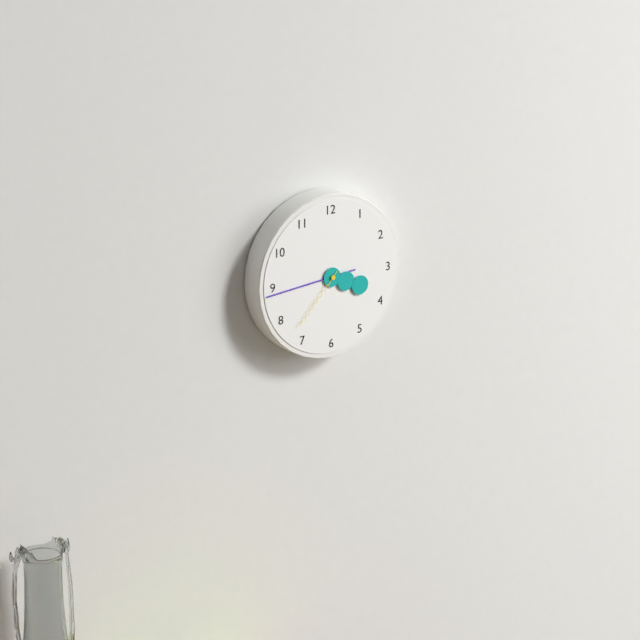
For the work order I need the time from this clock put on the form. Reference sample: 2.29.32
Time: 3.44.37
